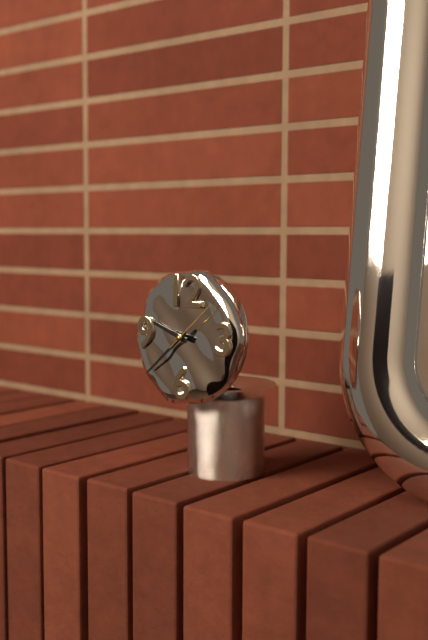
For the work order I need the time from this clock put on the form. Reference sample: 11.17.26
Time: 9.38.08
